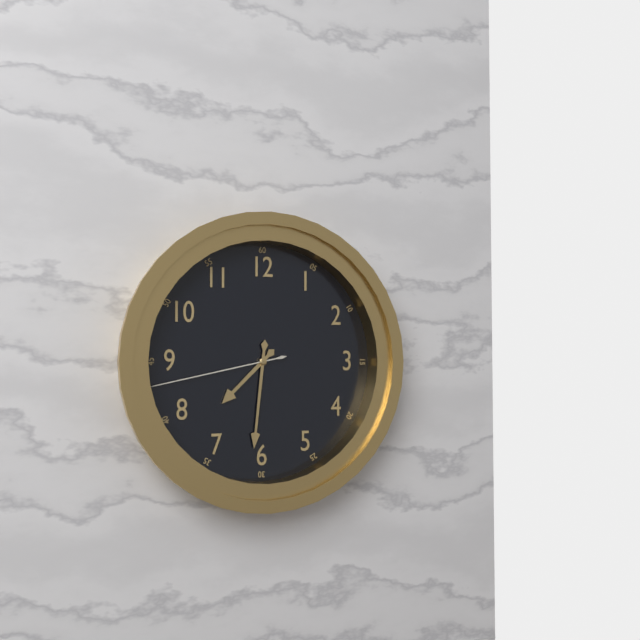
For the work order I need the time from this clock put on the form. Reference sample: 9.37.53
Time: 7.31.43
